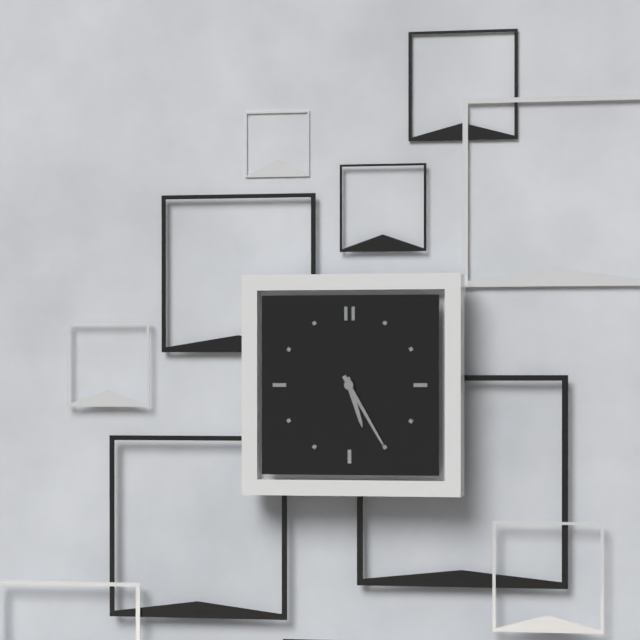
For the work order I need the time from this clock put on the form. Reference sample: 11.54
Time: 5.25
